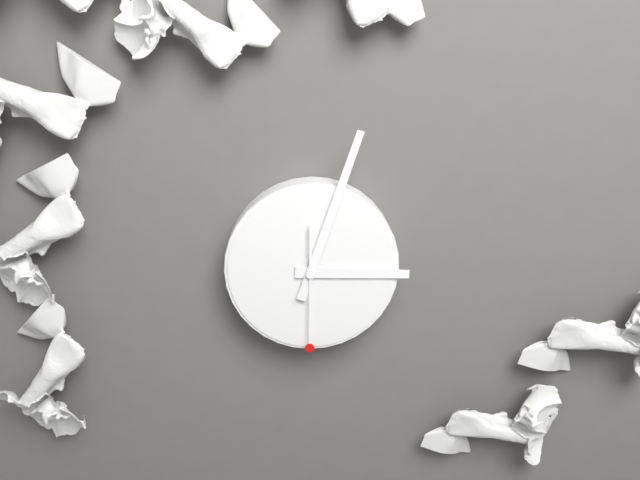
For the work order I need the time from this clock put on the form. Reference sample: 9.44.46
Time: 3.03.30
